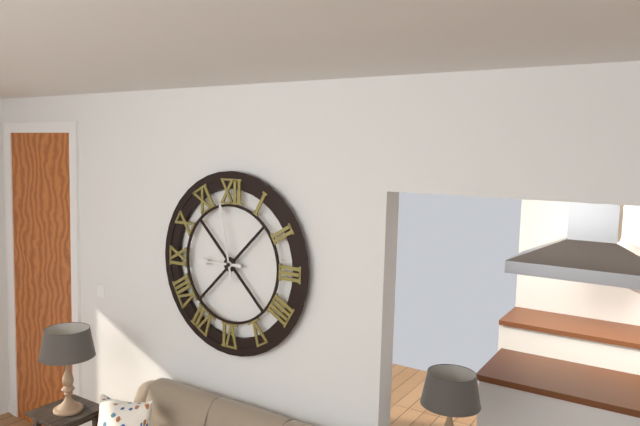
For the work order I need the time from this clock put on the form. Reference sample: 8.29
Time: 8.58
